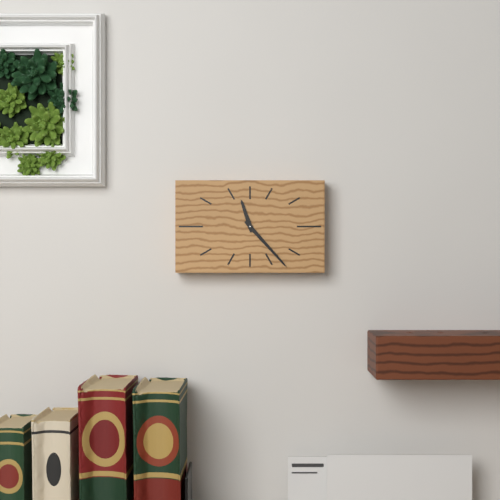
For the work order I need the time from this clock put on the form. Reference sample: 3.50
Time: 11.23
